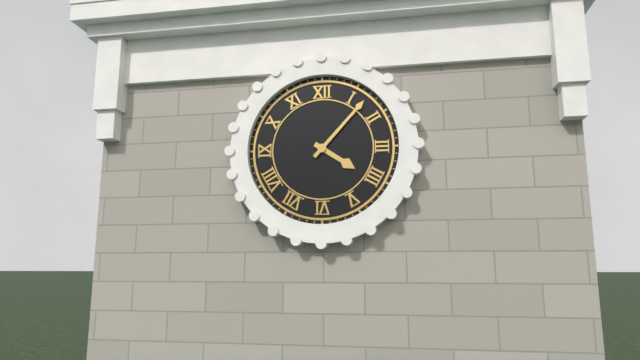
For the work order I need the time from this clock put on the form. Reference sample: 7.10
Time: 4.07
